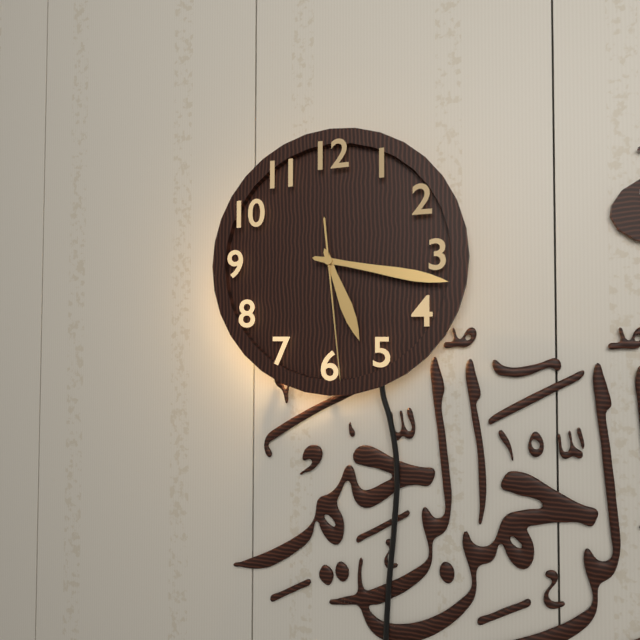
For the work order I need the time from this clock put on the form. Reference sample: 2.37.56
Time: 5.17.29
